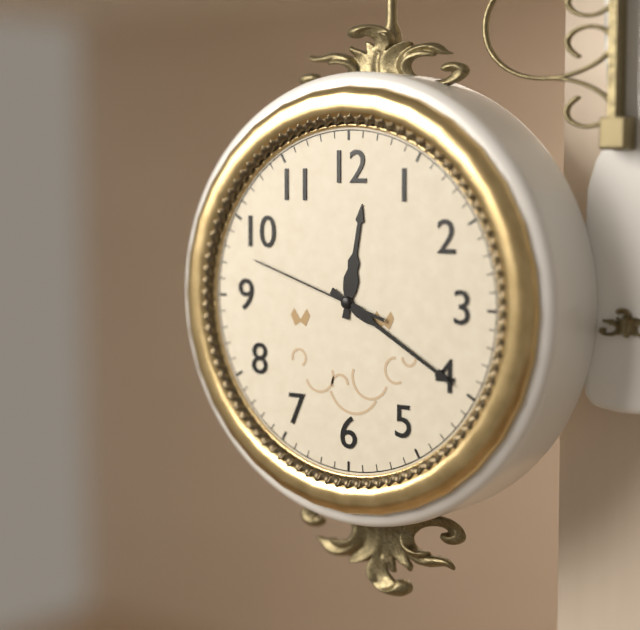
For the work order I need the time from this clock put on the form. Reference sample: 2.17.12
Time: 12.20.48
